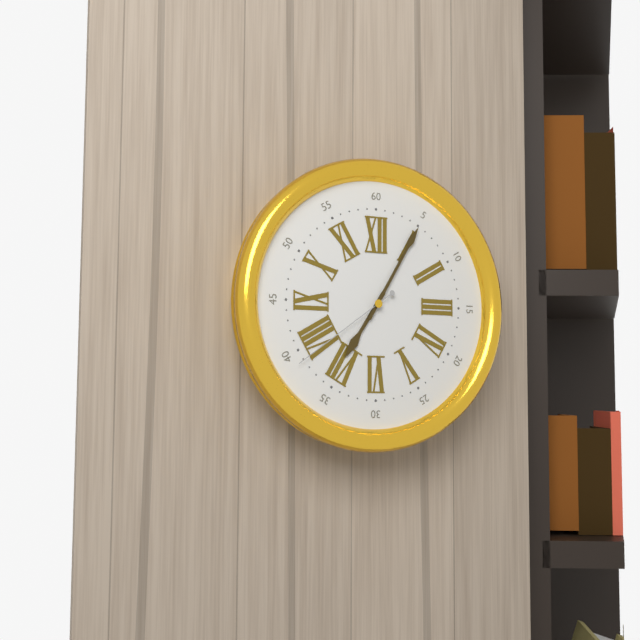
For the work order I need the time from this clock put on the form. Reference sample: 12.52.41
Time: 7.05.39
